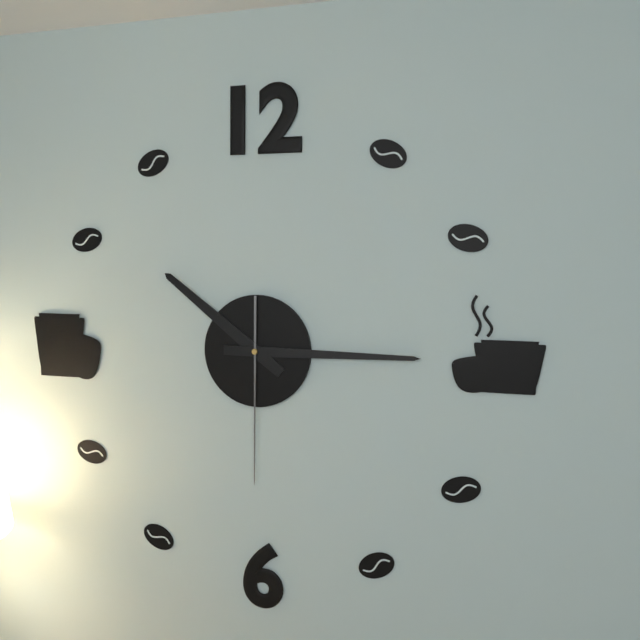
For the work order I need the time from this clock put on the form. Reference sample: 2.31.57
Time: 10.15.30
